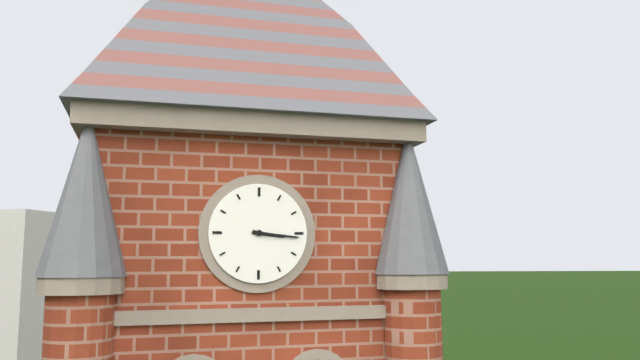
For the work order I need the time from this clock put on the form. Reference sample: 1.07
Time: 3.16
